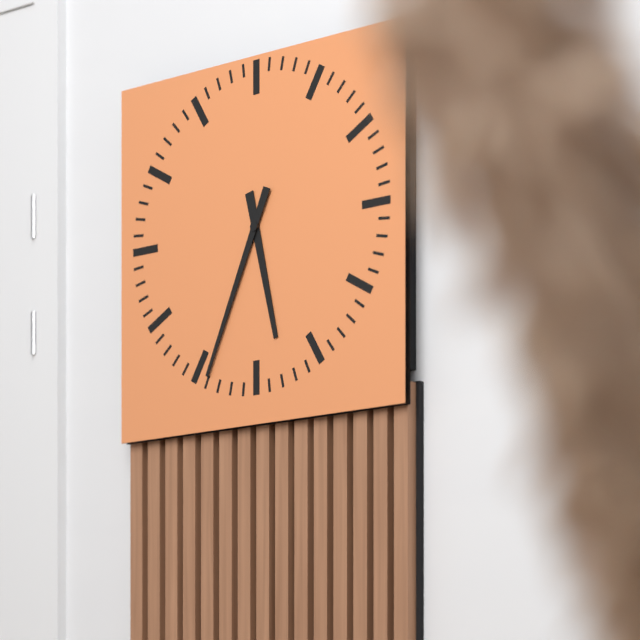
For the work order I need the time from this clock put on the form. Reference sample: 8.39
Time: 5.34
